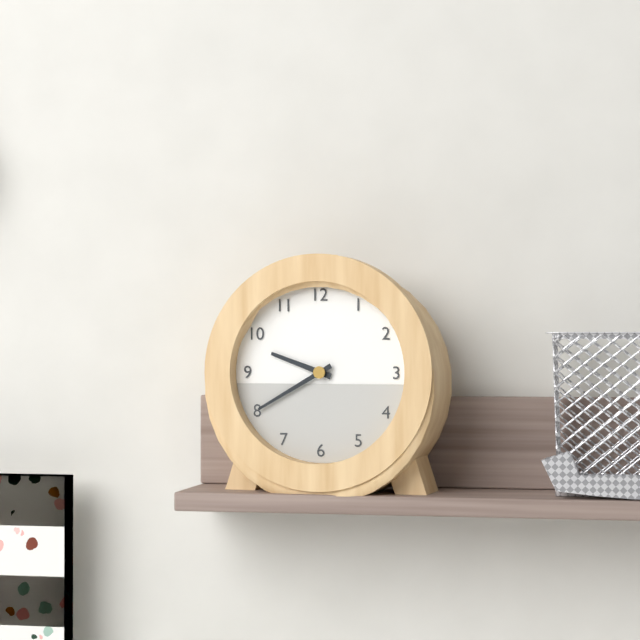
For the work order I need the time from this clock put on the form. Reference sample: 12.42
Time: 9.40
